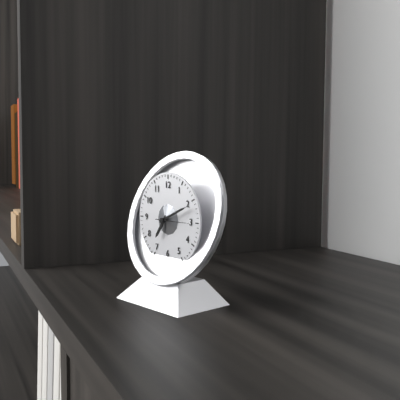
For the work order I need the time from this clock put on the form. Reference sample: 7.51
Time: 7.11
